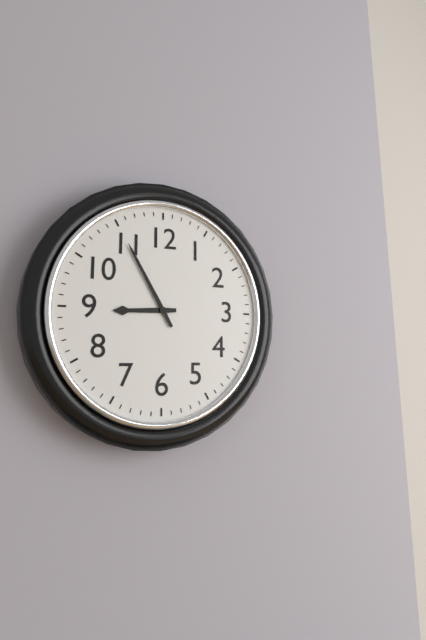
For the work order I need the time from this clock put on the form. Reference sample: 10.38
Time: 8.55
